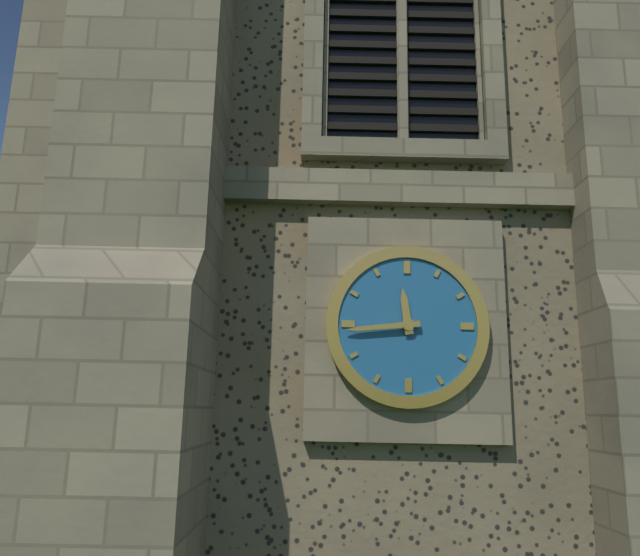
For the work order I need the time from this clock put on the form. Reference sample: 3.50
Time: 11.44
